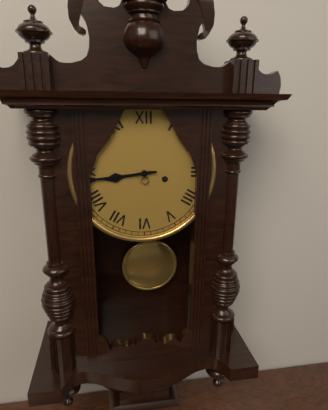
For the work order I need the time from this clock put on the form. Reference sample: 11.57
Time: 8.44
